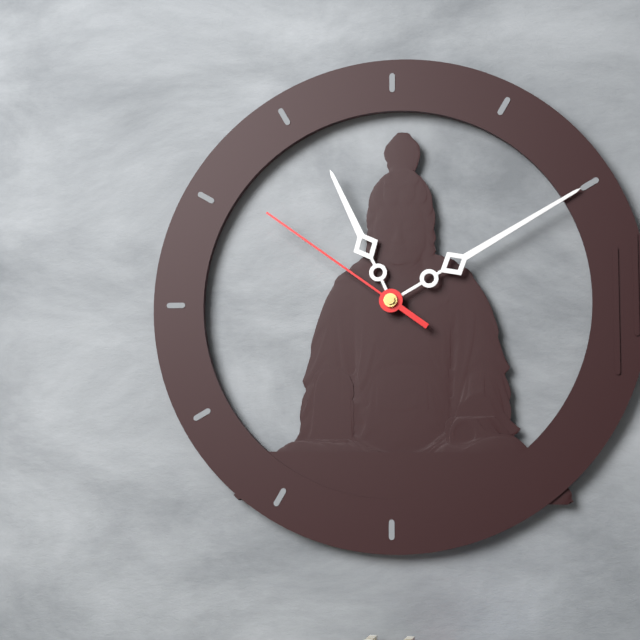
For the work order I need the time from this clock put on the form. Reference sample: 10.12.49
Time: 11.10.51
